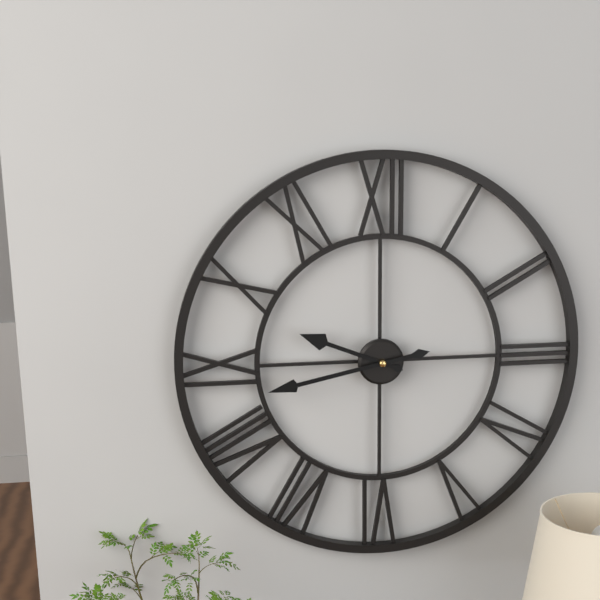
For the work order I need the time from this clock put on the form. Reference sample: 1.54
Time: 9.43
